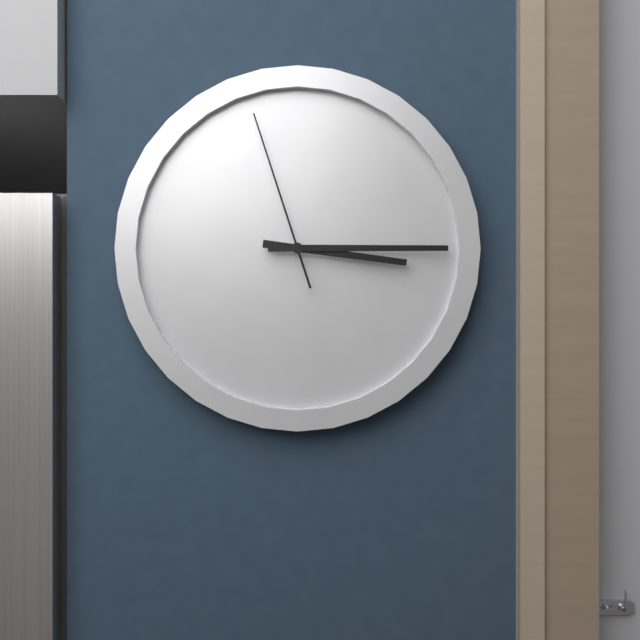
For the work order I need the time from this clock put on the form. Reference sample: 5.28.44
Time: 3.15.57
